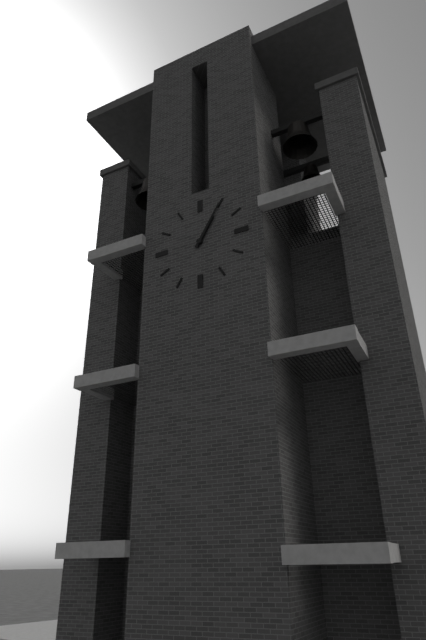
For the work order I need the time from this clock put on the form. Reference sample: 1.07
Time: 1.05
